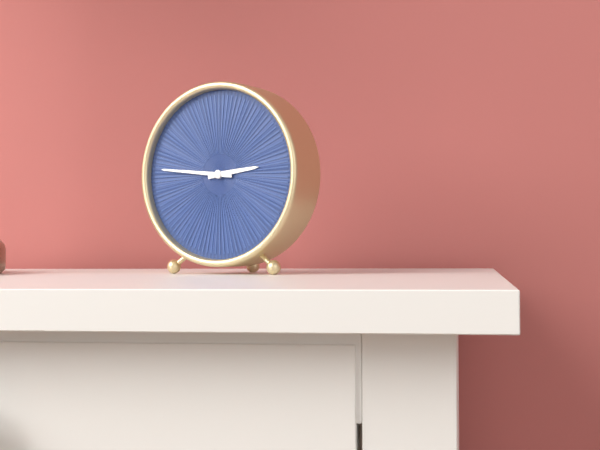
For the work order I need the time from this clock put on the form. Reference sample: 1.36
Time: 2.46
